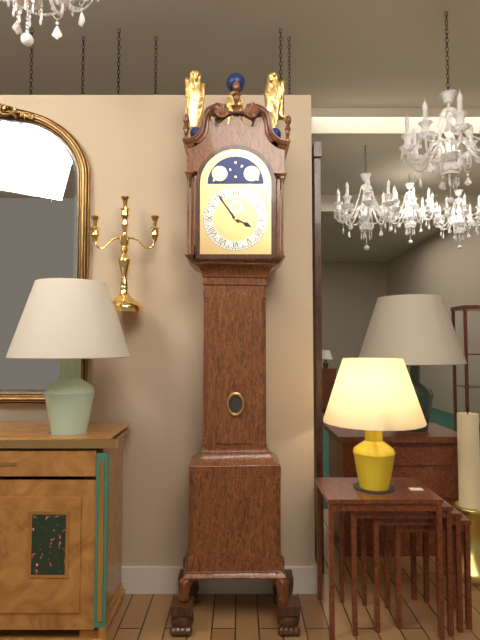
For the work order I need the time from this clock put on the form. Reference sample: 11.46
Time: 3.54
